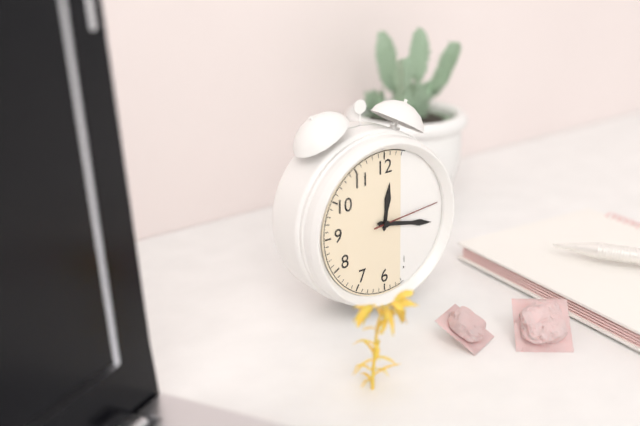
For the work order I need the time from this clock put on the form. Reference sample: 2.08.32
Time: 12.17.14
